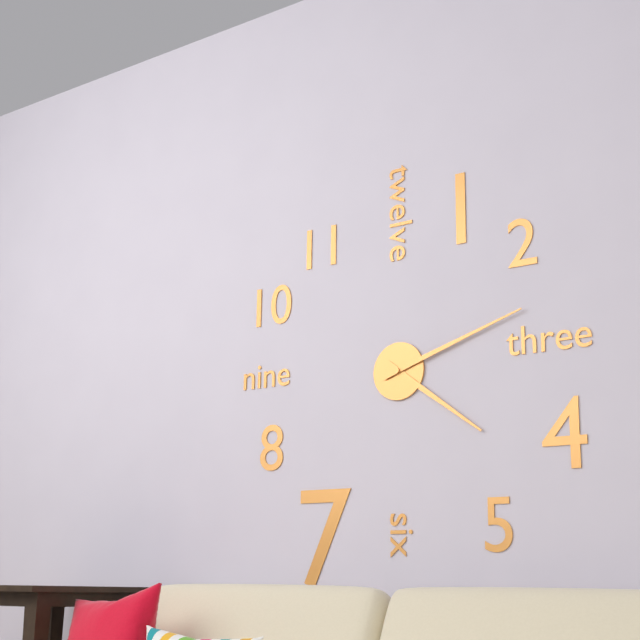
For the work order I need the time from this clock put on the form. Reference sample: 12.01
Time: 4.12
